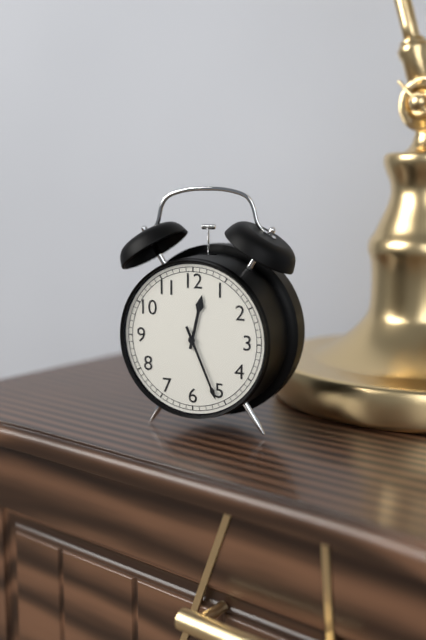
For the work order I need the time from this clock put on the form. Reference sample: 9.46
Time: 12.26
